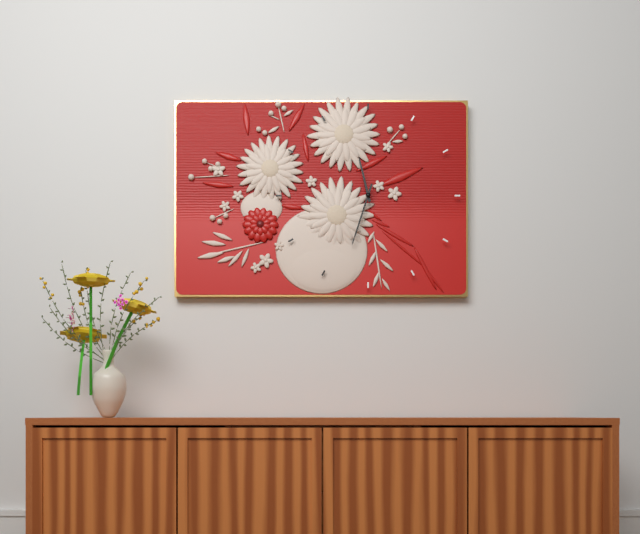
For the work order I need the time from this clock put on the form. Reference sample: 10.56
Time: 11.33
